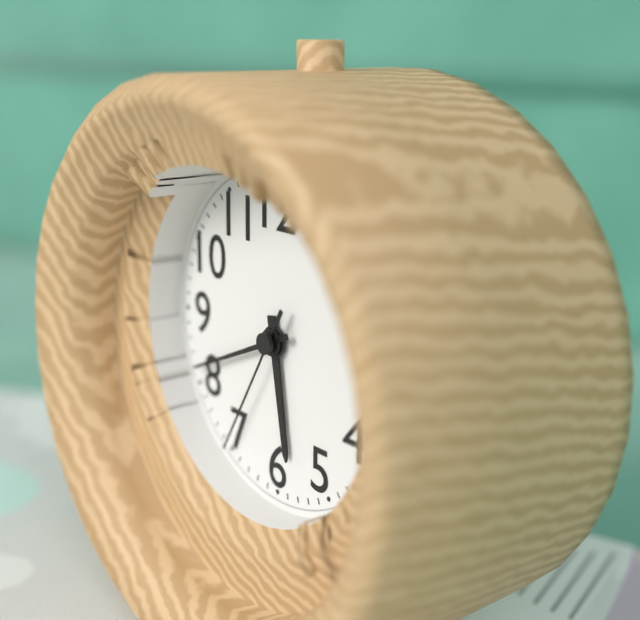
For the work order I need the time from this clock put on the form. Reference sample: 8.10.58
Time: 5.41.35
